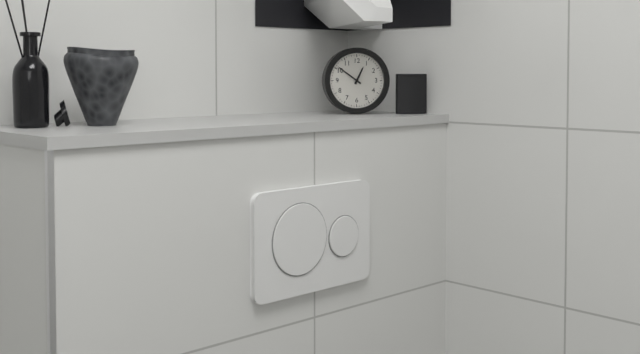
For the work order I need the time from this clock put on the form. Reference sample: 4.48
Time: 12.51
